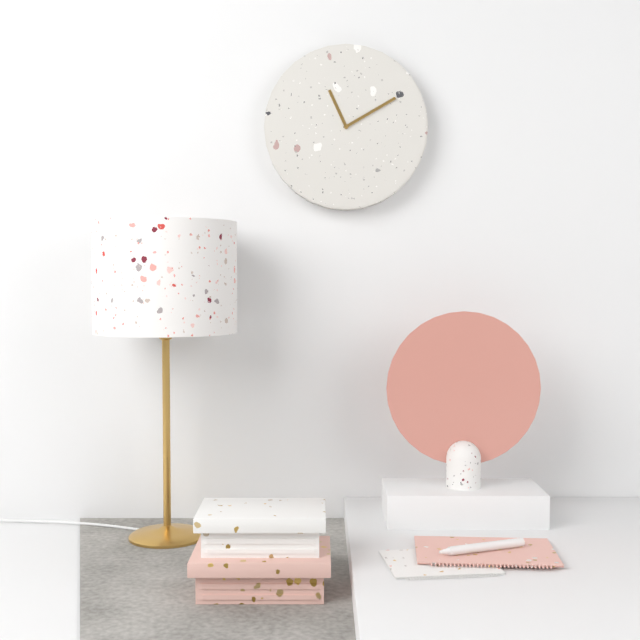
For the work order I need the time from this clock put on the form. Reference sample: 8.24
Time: 11.10
